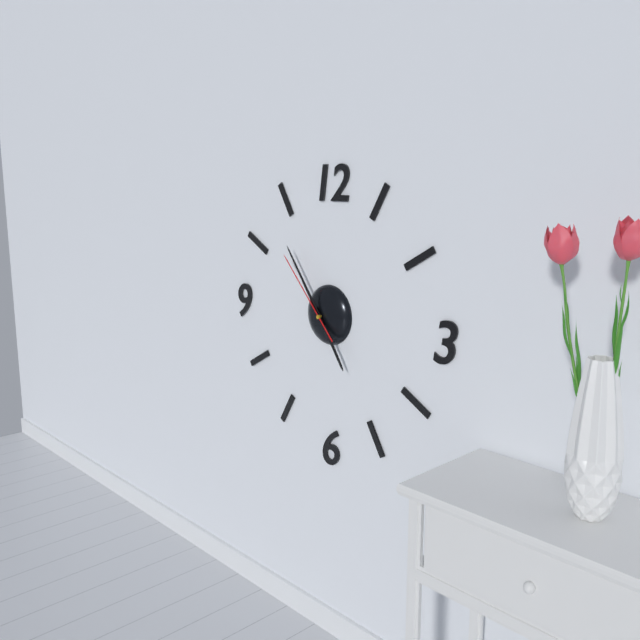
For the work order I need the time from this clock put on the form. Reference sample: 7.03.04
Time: 4.54.53
